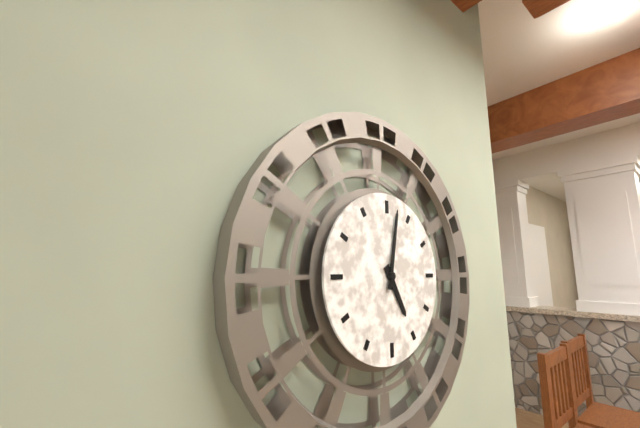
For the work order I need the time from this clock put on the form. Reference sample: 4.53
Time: 5.02
